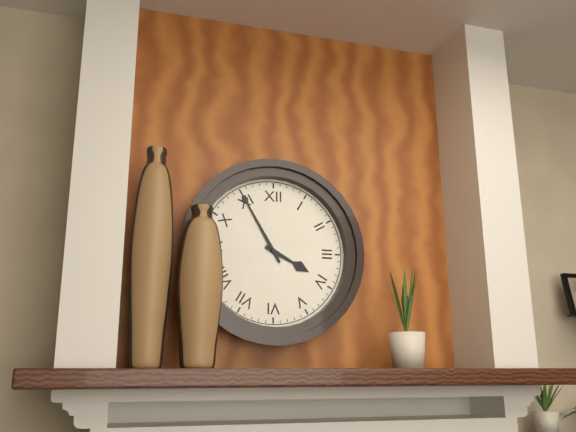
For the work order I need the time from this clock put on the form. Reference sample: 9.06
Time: 3.55
